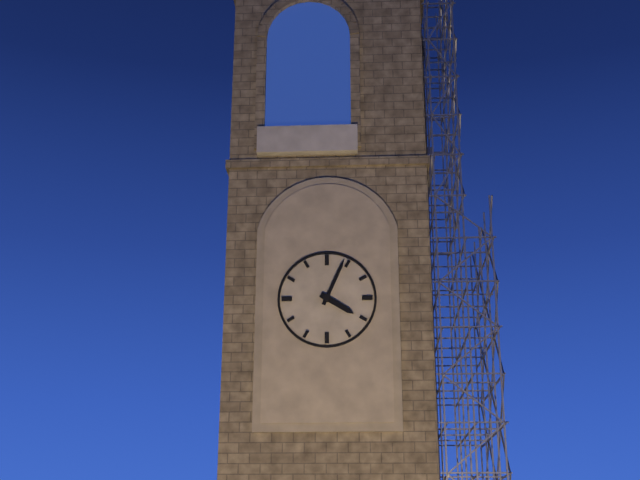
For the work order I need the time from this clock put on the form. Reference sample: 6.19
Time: 4.04
